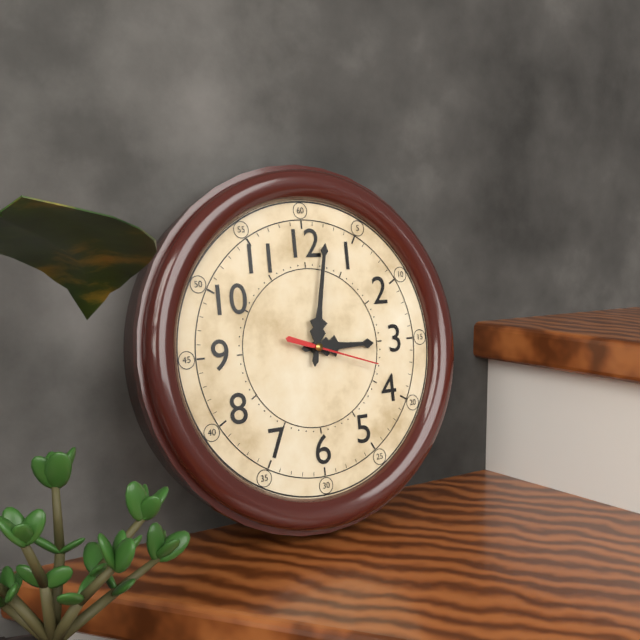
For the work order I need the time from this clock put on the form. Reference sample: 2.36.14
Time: 3.02.18
